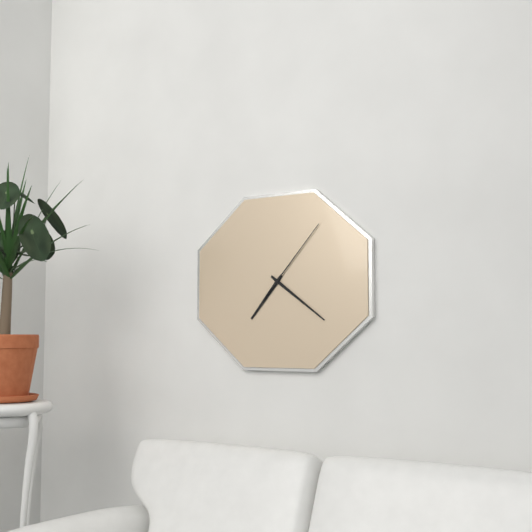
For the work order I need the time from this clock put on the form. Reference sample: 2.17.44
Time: 7.21.07
